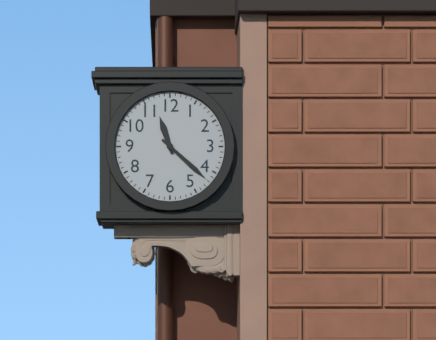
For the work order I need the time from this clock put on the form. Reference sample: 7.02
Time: 11.22
